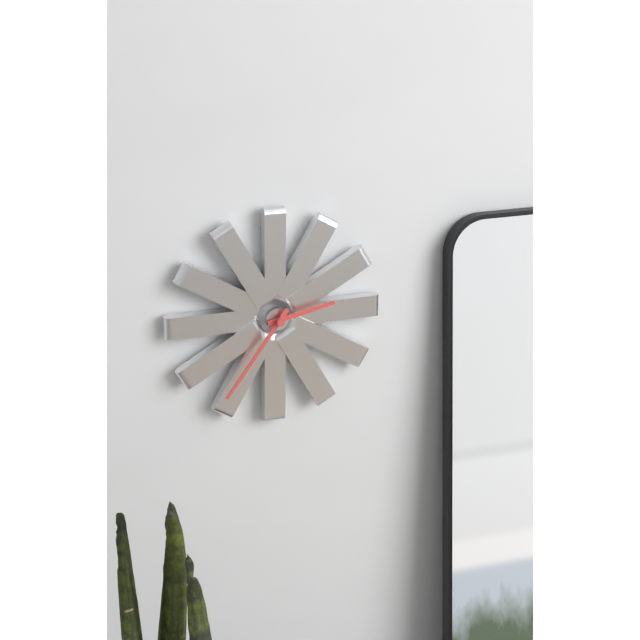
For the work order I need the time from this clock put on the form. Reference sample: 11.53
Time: 2.36
